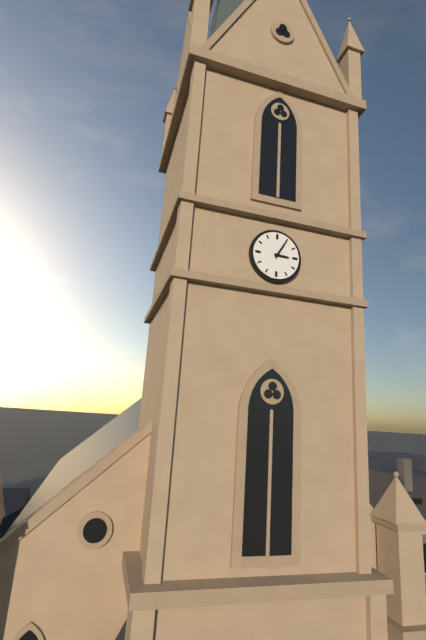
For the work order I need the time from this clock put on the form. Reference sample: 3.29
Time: 3.05
